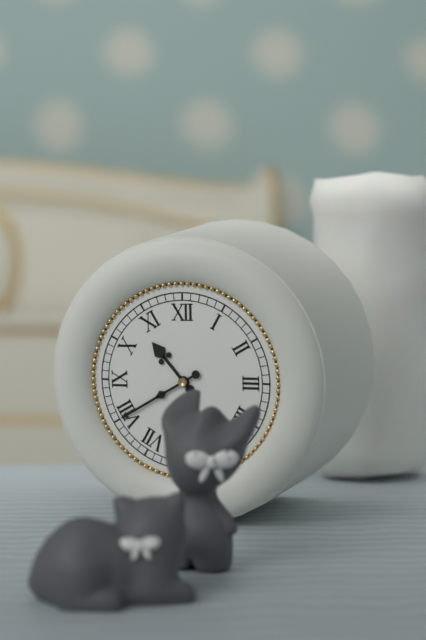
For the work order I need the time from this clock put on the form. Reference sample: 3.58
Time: 10.40
